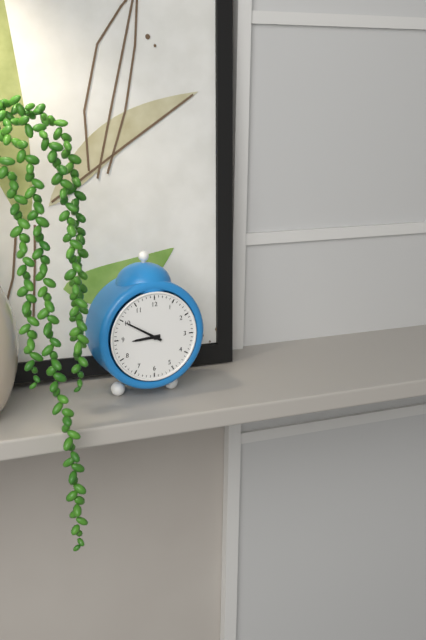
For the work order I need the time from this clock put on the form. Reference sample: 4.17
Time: 8.50
